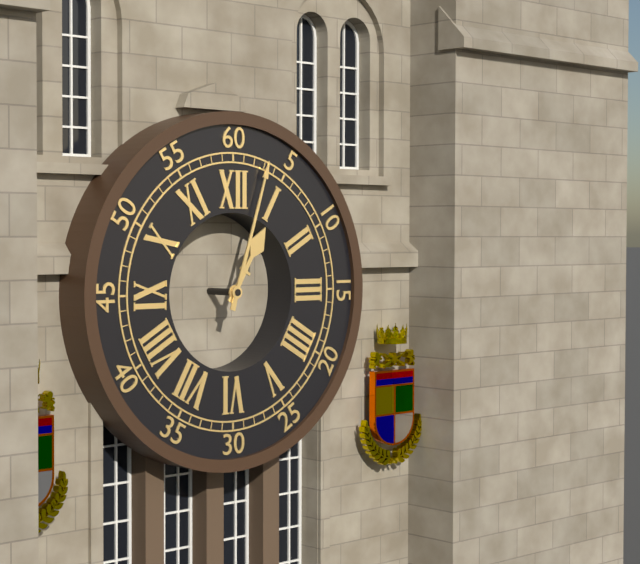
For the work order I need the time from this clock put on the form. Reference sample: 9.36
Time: 1.03
